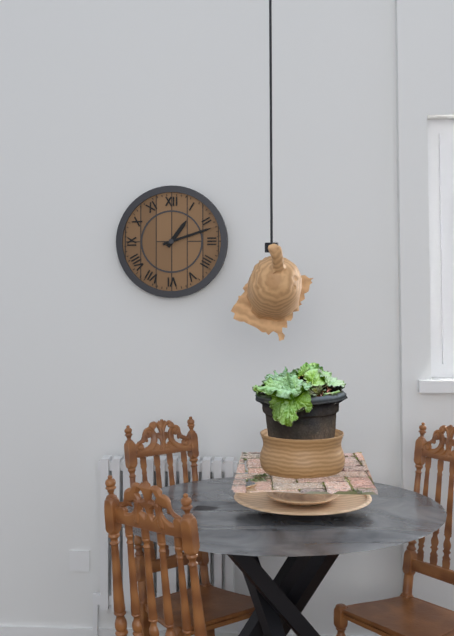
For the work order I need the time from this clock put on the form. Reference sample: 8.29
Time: 1.12
